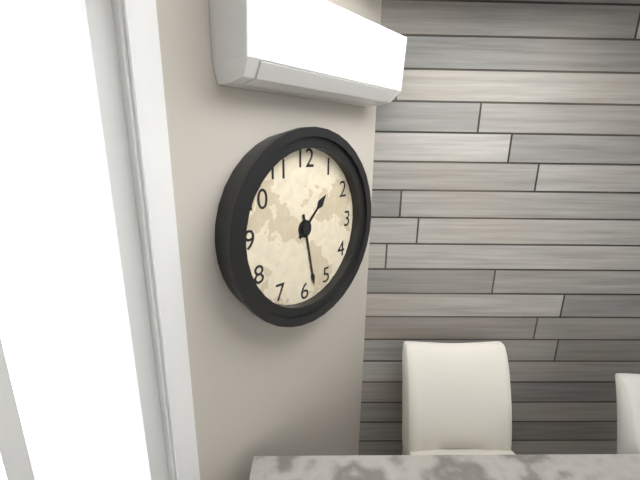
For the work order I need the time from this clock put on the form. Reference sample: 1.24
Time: 1.28
